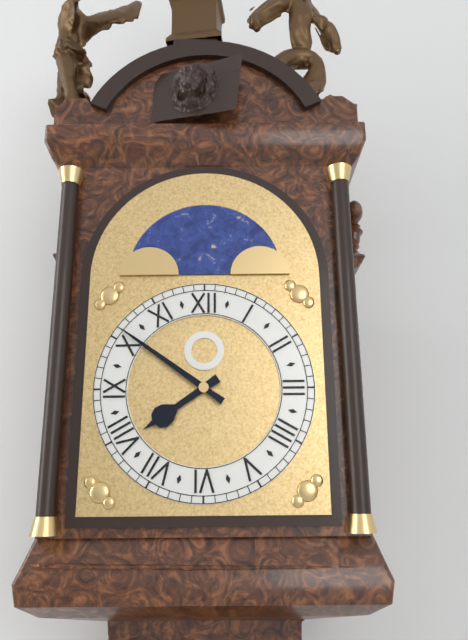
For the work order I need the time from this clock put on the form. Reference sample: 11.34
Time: 7.51
